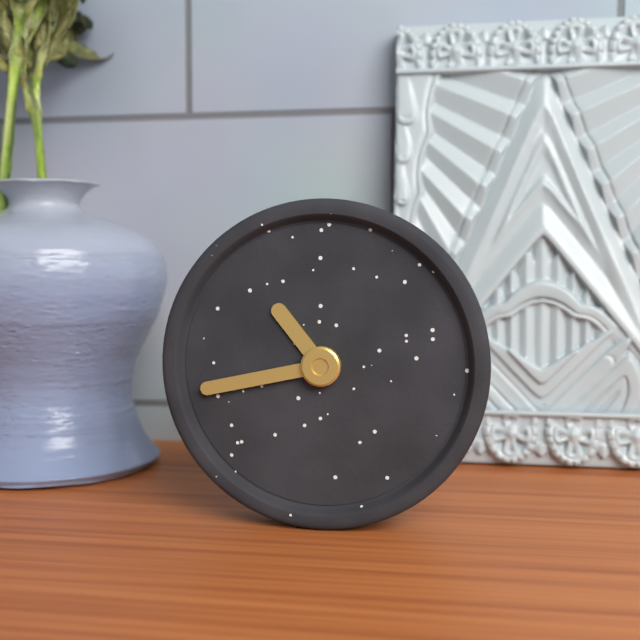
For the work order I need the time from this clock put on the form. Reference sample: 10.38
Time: 10.43
